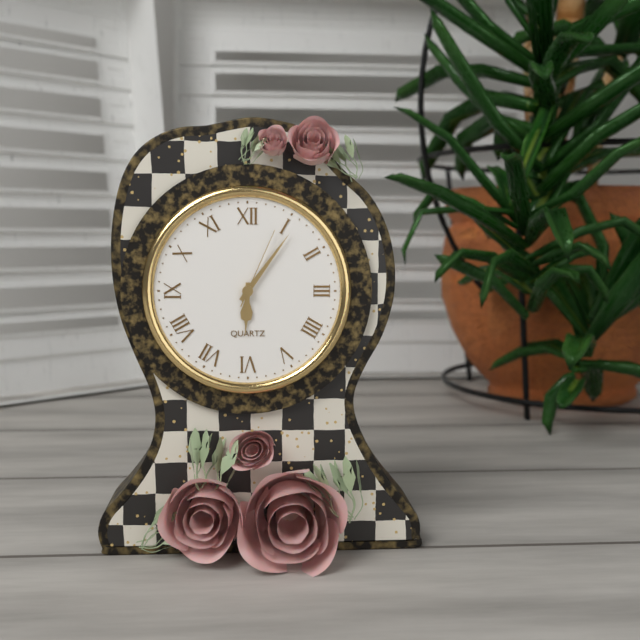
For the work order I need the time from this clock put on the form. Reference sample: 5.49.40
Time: 6.06.04
